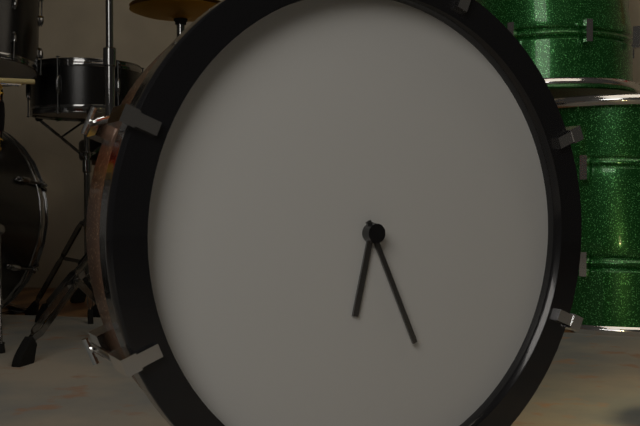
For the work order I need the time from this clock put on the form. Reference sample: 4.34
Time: 6.26
